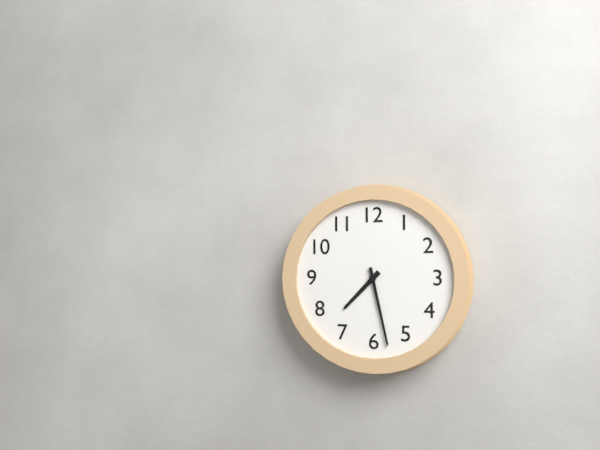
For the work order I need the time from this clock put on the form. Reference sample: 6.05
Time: 7.28
